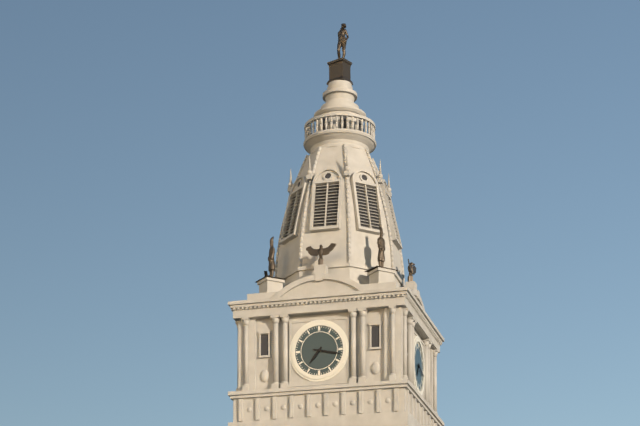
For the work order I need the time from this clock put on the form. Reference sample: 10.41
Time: 7.17
